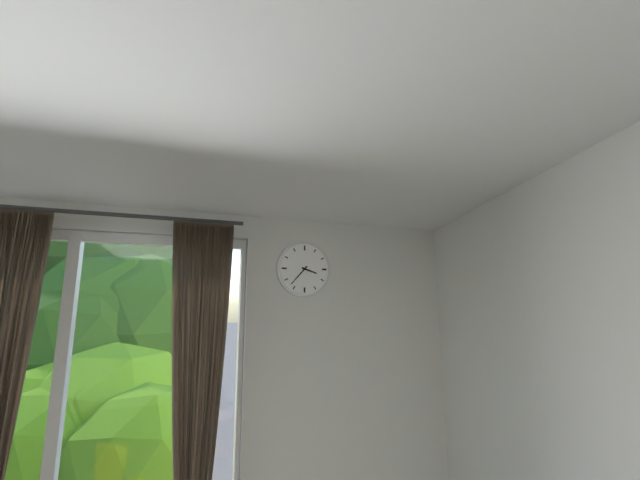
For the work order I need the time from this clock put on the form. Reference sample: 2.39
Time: 3.37
